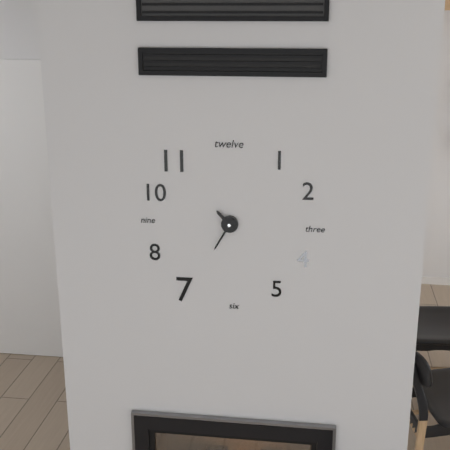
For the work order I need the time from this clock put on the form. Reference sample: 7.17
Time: 10.35
